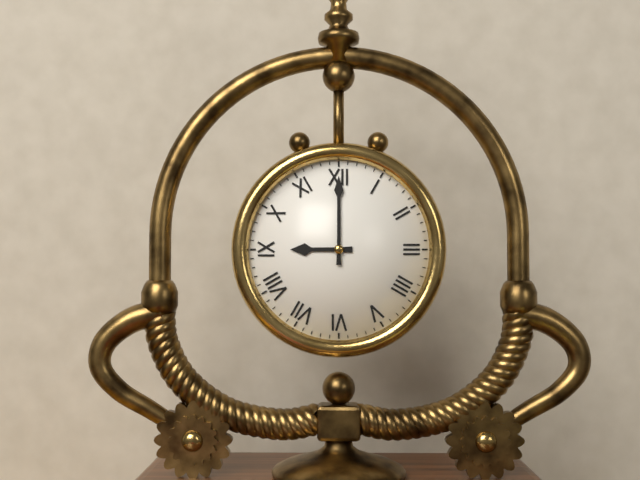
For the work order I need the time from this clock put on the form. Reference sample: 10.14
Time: 9.00
